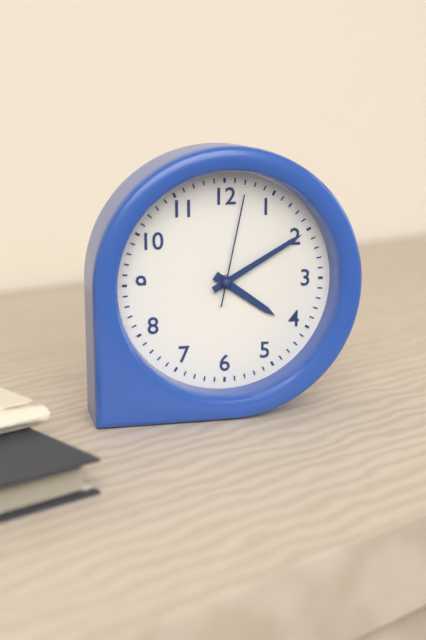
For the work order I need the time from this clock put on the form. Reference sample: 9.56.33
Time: 4.10.02
